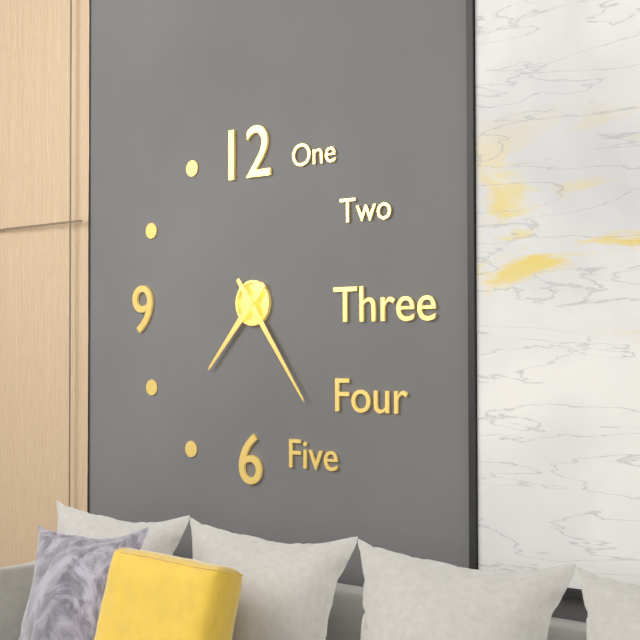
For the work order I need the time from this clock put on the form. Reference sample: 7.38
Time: 7.24
